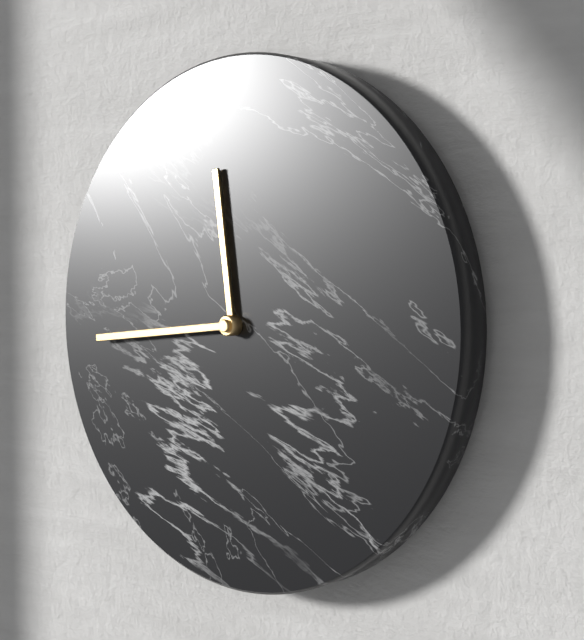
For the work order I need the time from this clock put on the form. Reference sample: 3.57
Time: 11.44
